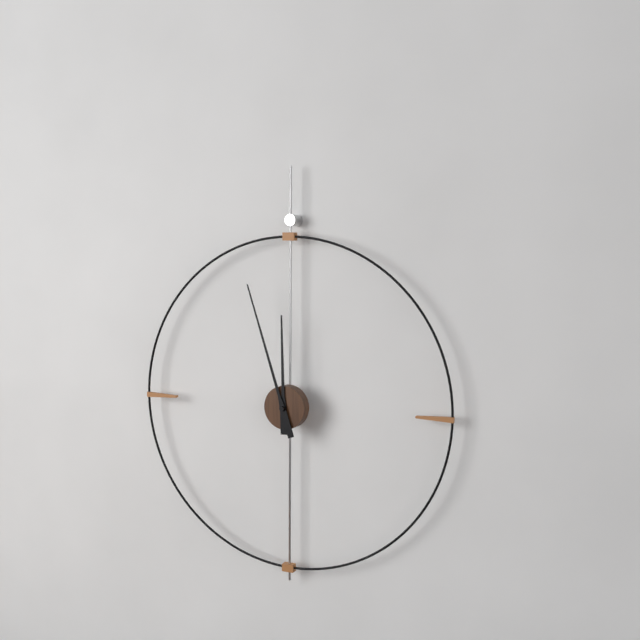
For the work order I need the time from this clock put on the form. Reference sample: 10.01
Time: 11.57
